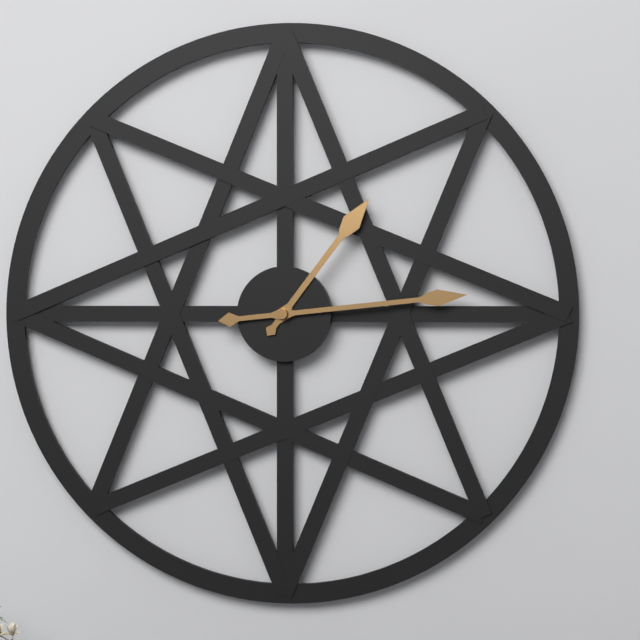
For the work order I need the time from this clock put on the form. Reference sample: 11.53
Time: 1.14
